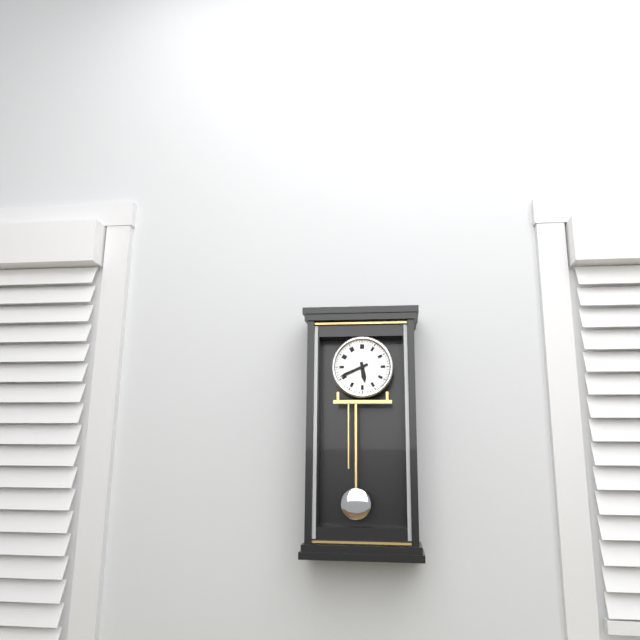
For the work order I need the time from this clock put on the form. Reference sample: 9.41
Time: 5.41
